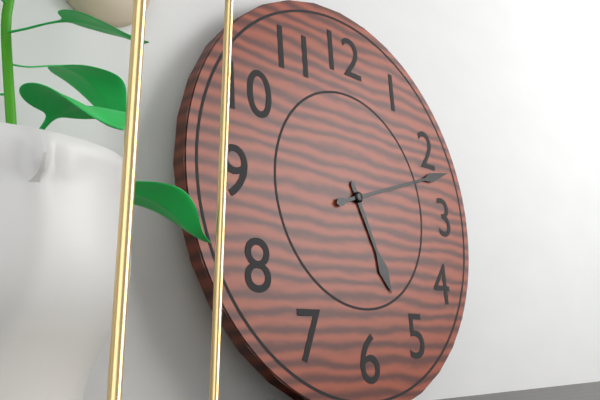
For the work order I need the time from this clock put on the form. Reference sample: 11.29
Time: 5.12
